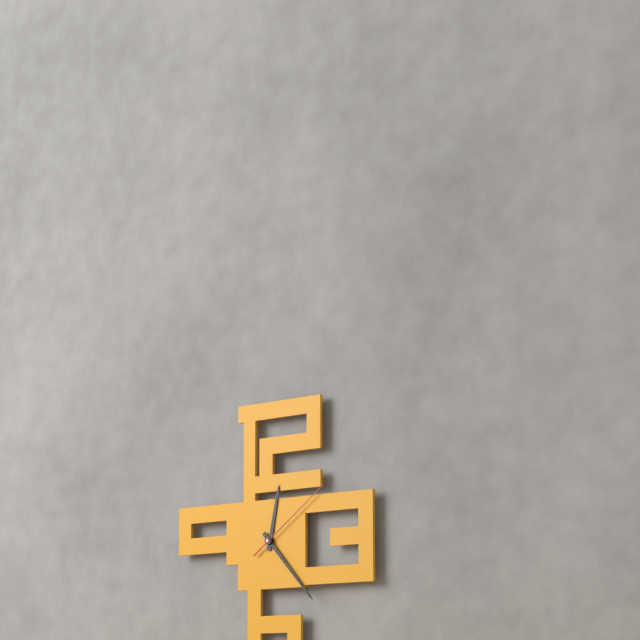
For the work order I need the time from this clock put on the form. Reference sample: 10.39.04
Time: 12.23.09
